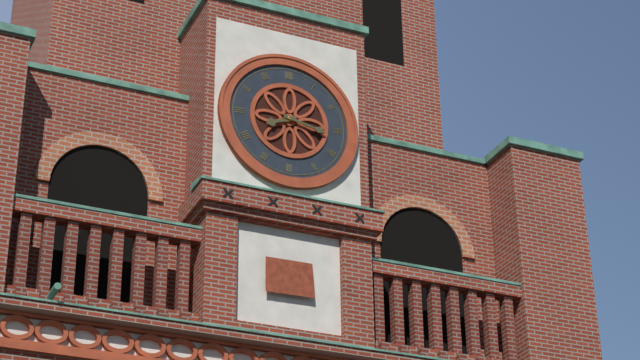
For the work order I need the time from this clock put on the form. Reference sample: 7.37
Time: 8.17
